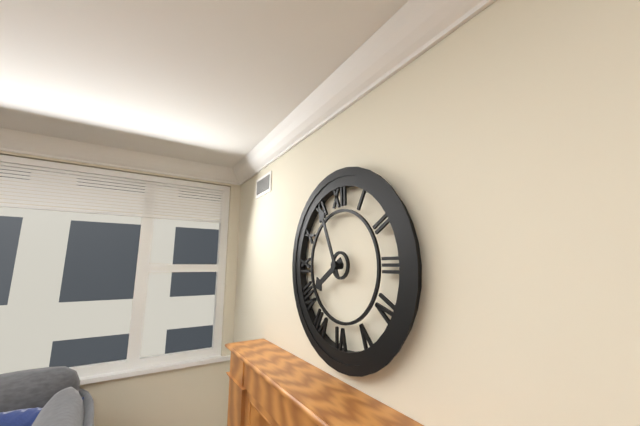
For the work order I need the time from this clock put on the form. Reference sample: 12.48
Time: 7.56
